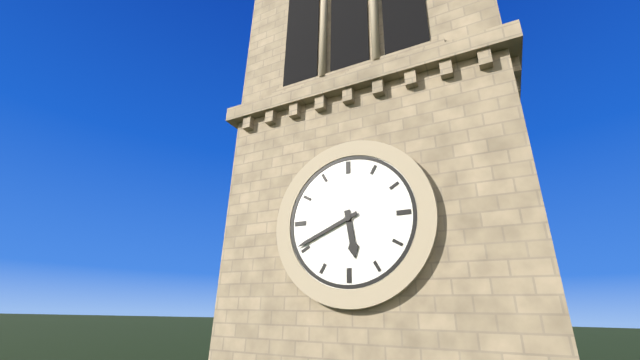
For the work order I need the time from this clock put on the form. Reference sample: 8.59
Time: 5.41
